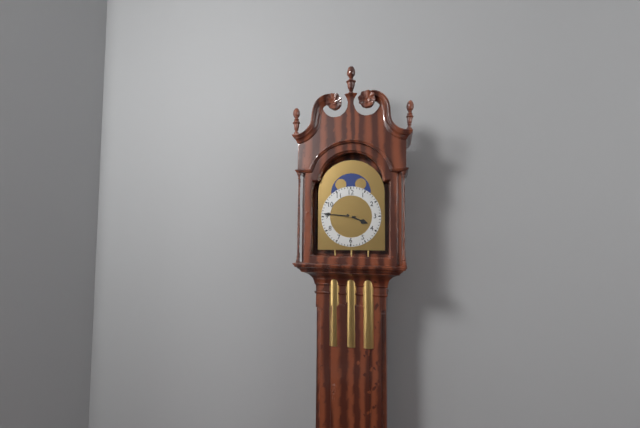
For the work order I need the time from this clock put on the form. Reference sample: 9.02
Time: 3.46
